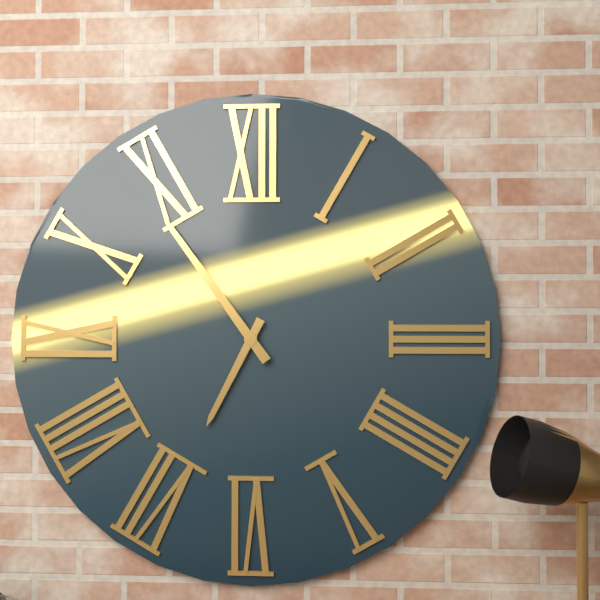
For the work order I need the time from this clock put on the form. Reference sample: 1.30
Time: 6.54
